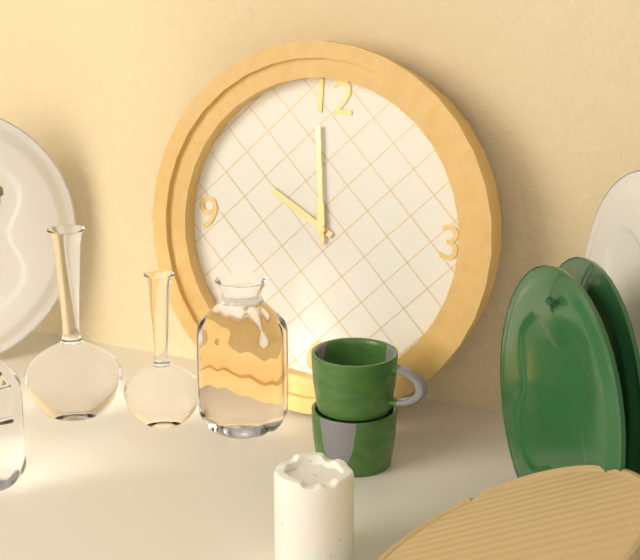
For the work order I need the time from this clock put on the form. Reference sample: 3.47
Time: 9.59
